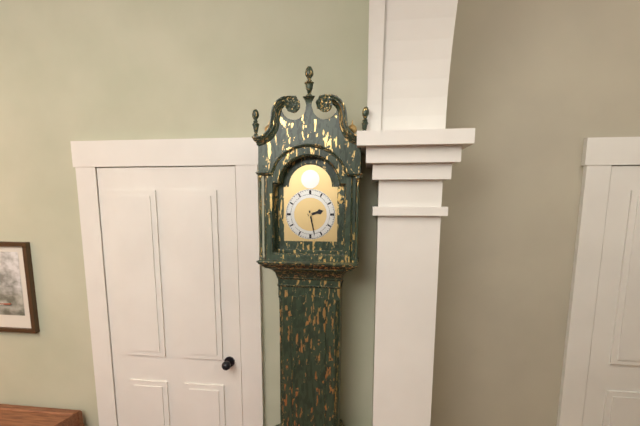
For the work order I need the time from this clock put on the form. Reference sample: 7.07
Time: 2.28
